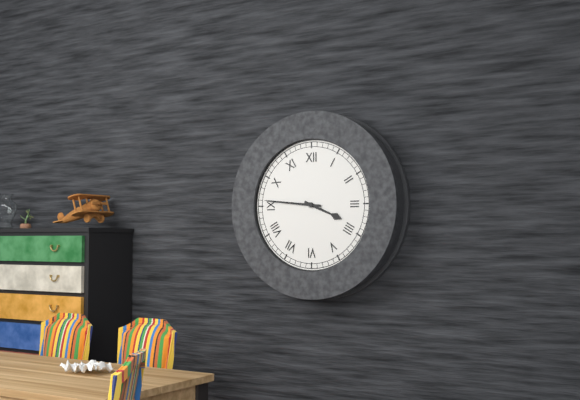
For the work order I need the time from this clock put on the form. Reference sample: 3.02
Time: 3.46
